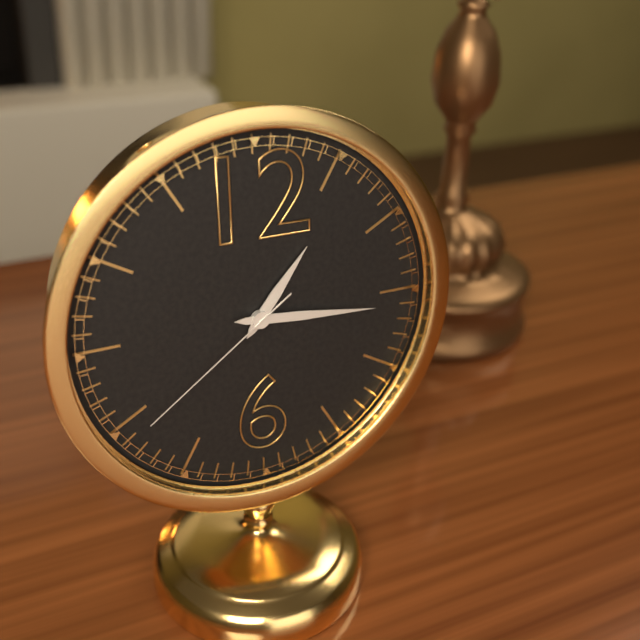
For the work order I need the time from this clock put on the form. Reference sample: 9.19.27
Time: 1.16.39
